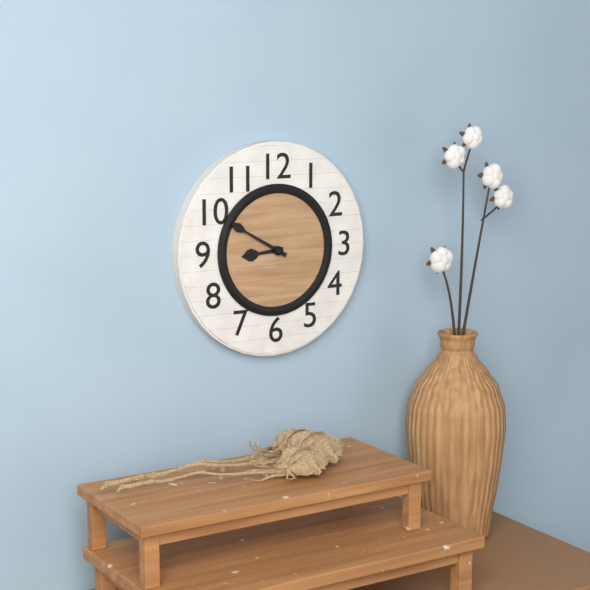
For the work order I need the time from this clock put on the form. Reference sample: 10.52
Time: 8.50
